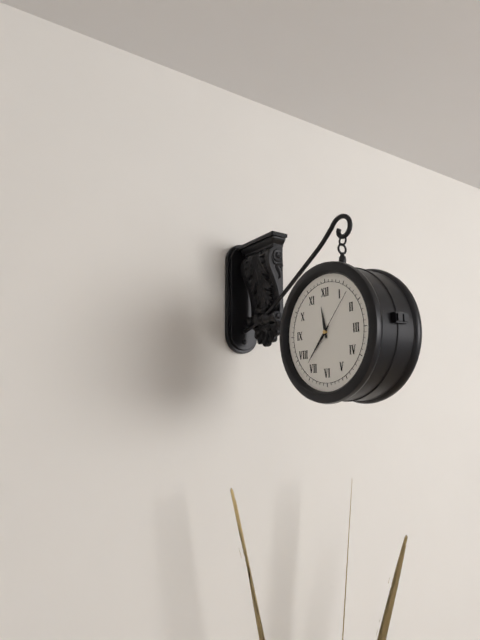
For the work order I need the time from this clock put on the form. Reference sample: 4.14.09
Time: 11.37.07
